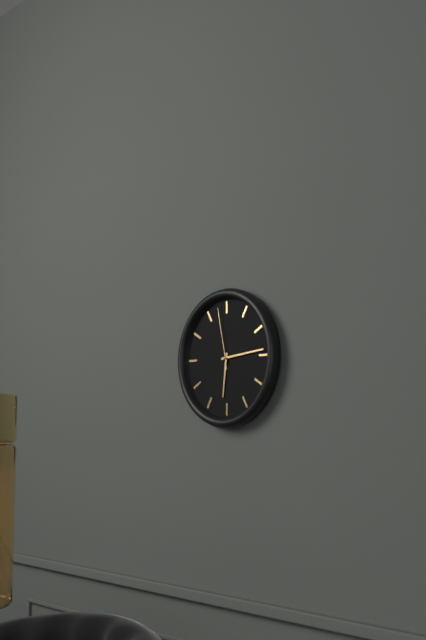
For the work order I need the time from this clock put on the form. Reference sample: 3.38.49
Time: 6.14.58
